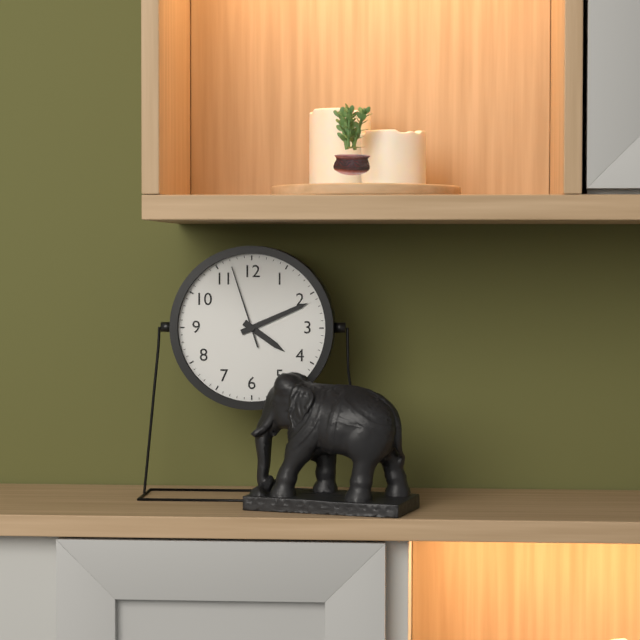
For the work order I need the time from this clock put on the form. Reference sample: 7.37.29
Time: 4.11.57
